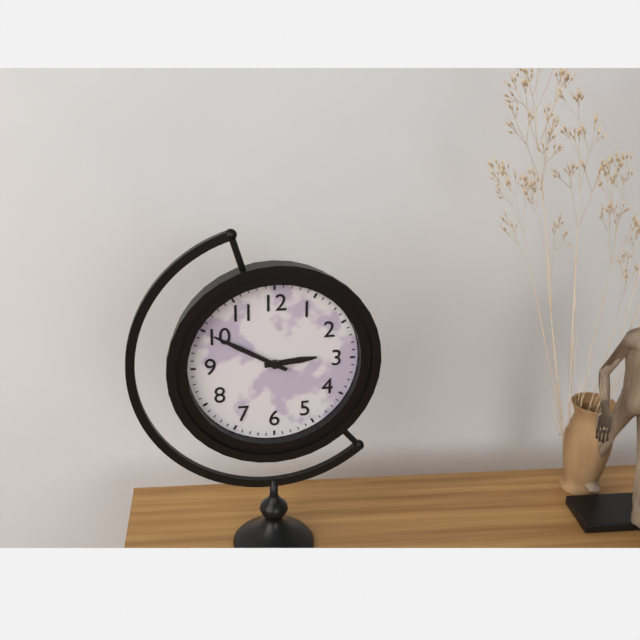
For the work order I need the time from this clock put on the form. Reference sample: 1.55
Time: 2.50
